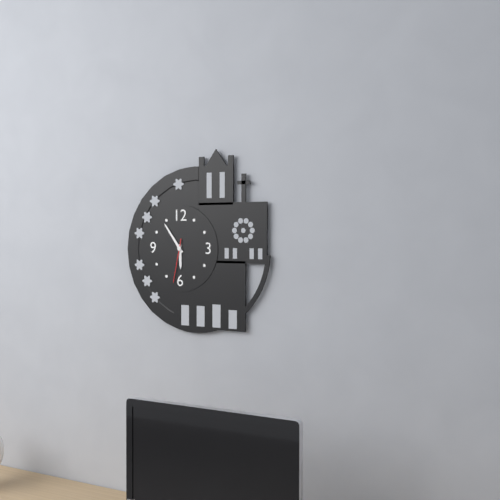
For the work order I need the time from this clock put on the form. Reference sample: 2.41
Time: 5.54
